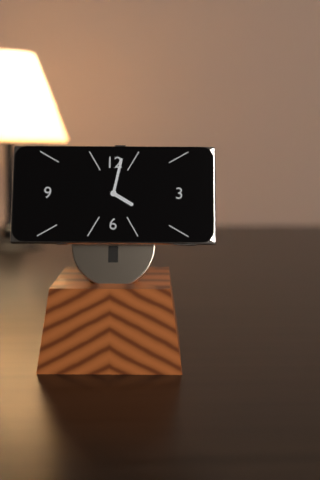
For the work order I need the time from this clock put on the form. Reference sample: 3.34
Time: 4.02
